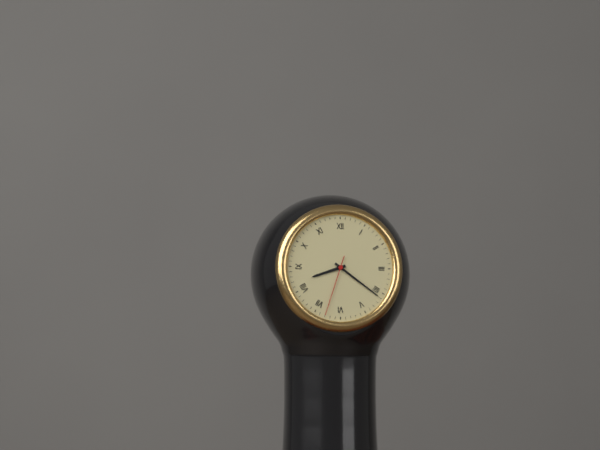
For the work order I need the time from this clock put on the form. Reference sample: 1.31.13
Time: 8.21.33
